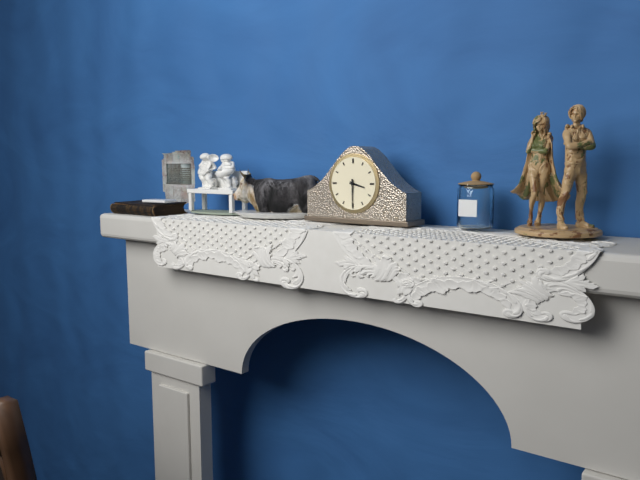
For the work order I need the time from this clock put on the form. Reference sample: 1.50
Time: 3.30
